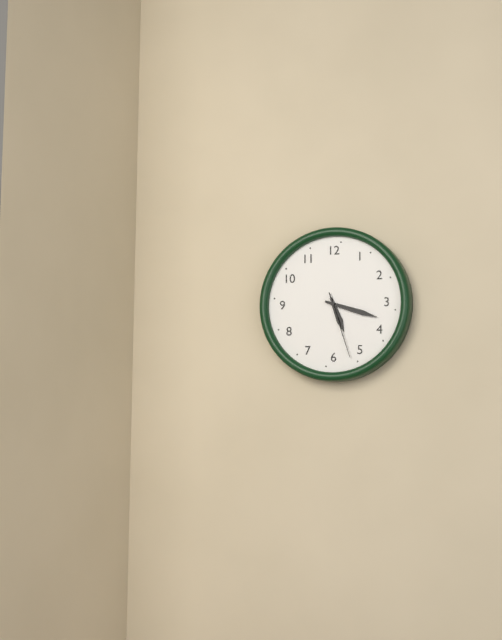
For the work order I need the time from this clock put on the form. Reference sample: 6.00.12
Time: 5.18.27
